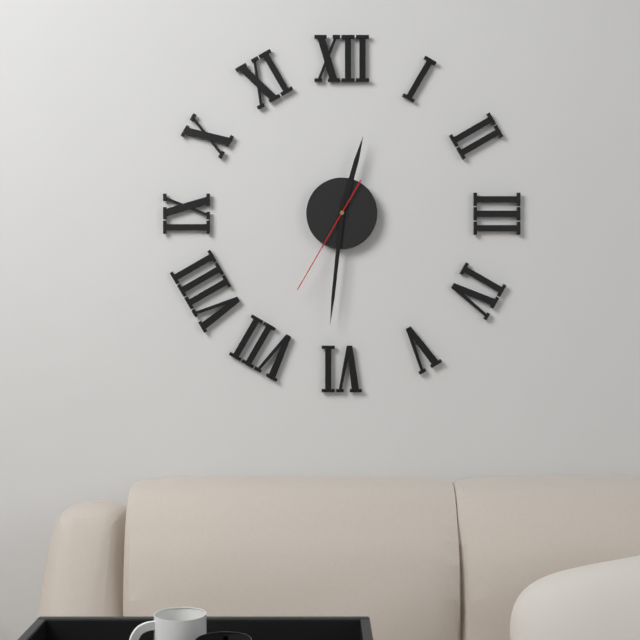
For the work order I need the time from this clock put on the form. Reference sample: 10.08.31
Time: 12.31.35
